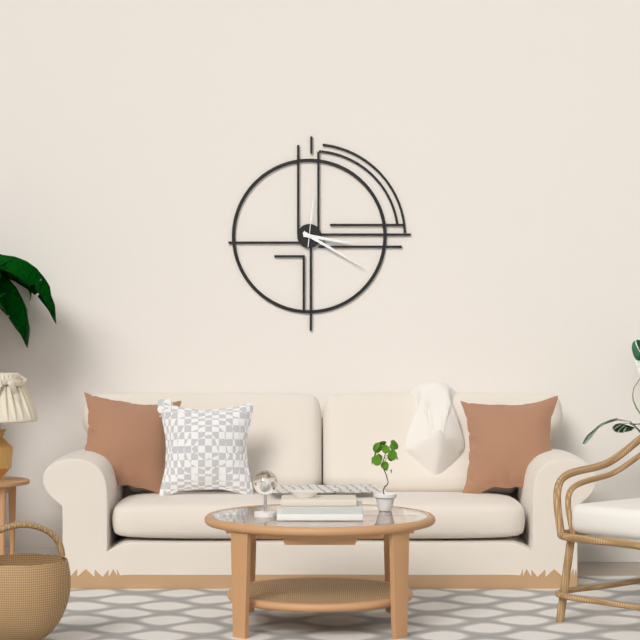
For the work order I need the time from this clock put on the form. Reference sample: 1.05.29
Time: 3.20.01
